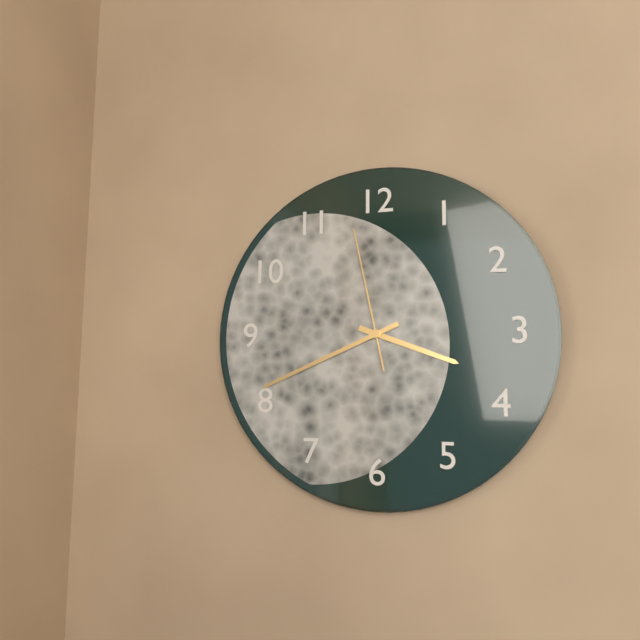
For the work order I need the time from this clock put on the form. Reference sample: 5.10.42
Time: 3.41.58
